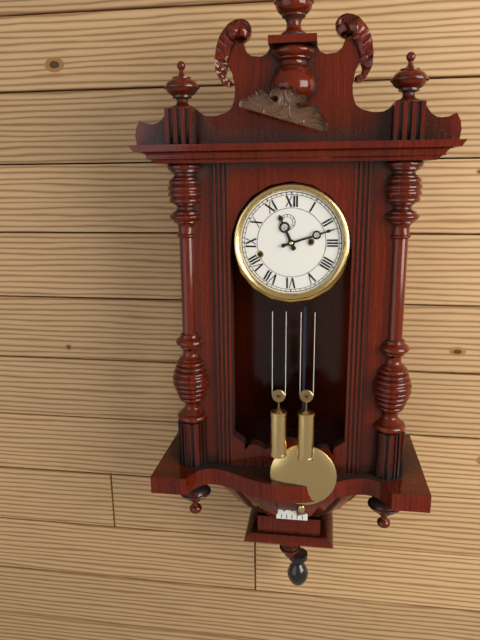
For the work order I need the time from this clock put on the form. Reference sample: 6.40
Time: 11.12
